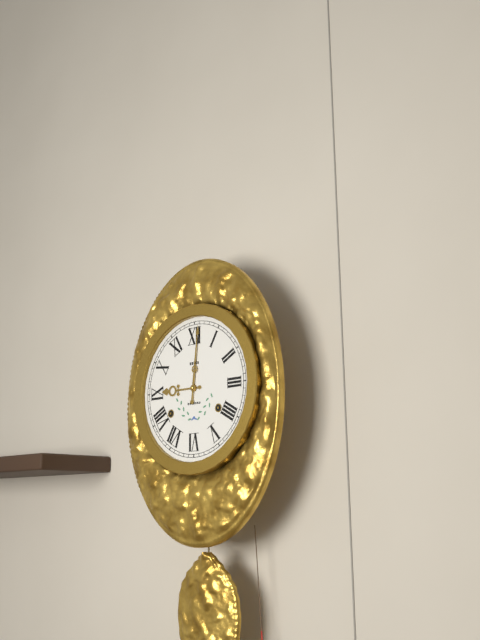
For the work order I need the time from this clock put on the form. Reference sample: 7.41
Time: 9.01
